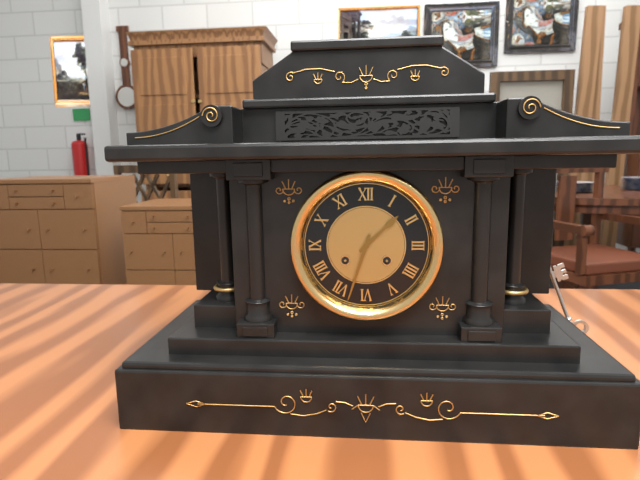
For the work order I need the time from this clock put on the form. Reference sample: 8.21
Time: 1.33
